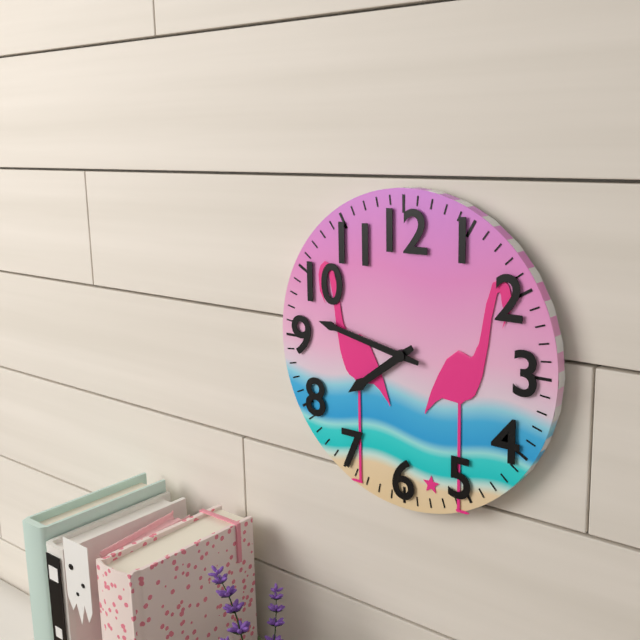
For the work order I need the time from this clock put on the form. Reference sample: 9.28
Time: 7.47
